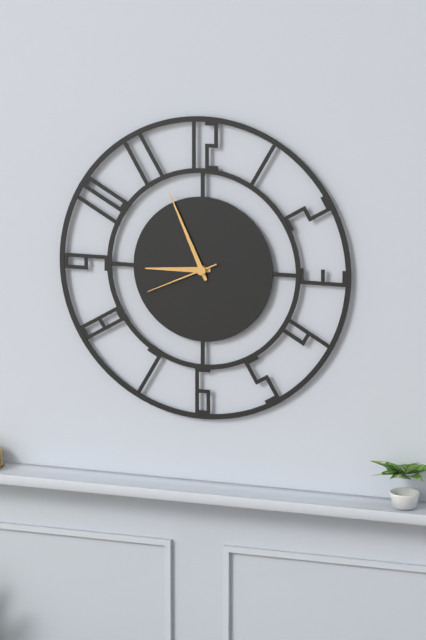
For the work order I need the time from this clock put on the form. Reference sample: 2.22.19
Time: 8.56.41
